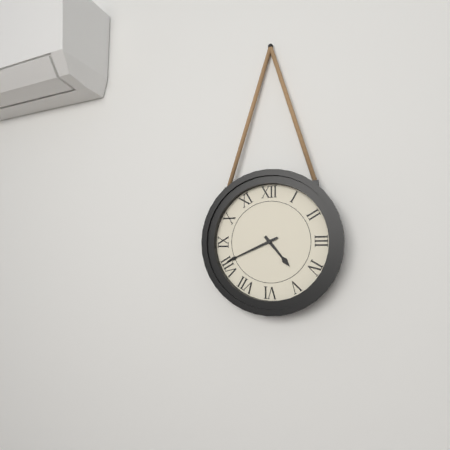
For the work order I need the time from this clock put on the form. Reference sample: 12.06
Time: 4.41
